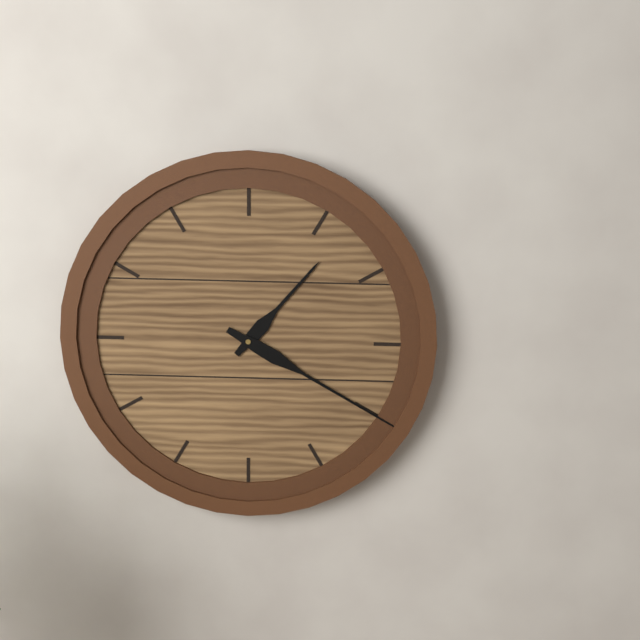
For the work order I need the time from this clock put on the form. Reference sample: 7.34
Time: 1.20
